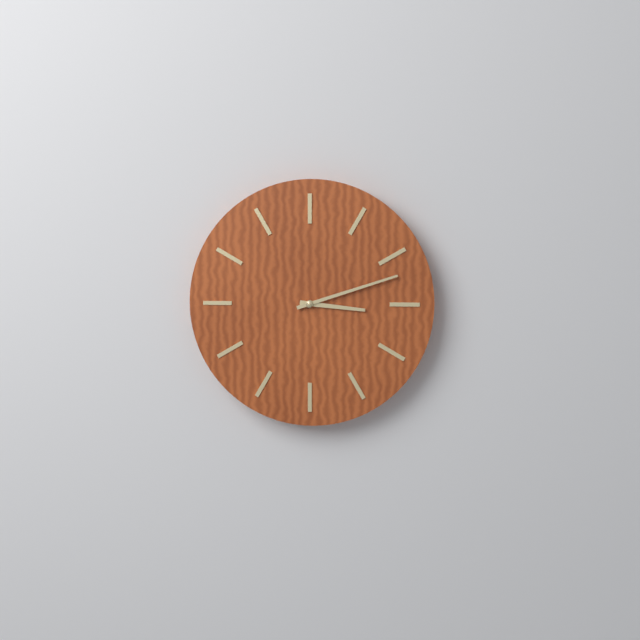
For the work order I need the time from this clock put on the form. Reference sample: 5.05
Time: 3.12
